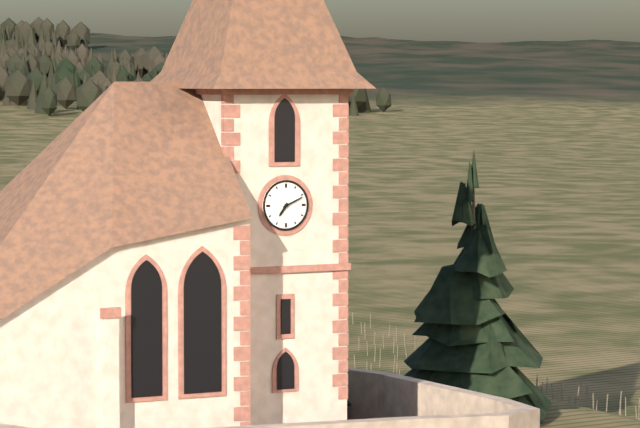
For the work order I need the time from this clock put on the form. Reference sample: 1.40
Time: 7.11
